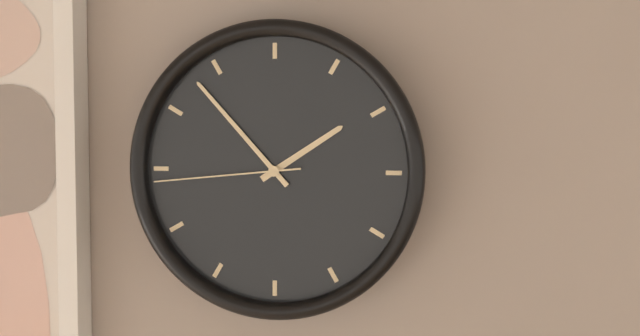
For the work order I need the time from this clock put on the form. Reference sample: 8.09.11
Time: 1.53.44
